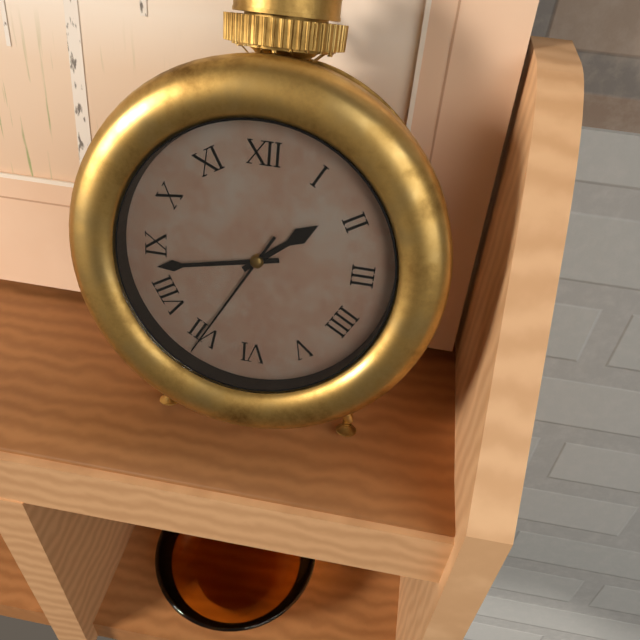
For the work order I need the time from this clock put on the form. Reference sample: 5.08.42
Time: 1.43.35
